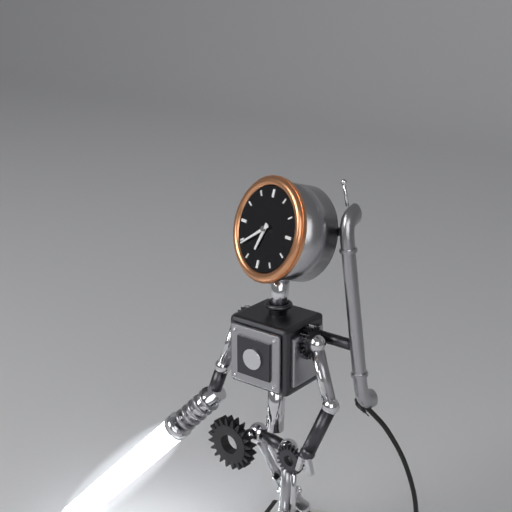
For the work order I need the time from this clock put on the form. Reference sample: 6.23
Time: 6.39
